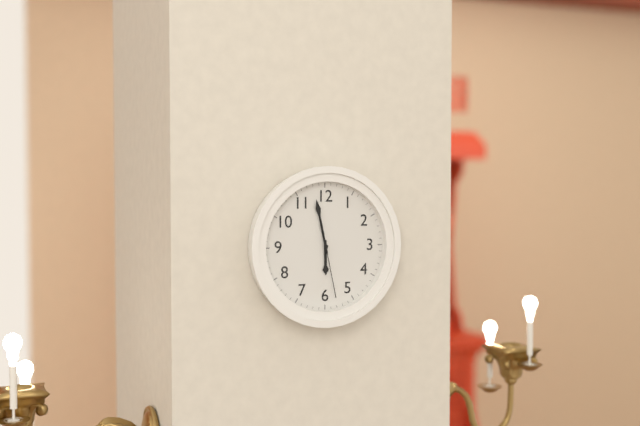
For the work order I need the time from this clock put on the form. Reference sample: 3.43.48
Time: 5.58.28
